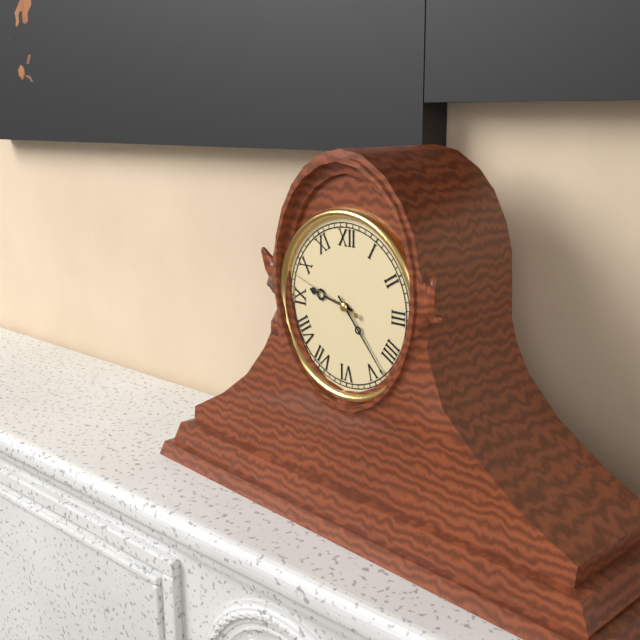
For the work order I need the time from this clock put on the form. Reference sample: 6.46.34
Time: 9.23.48
